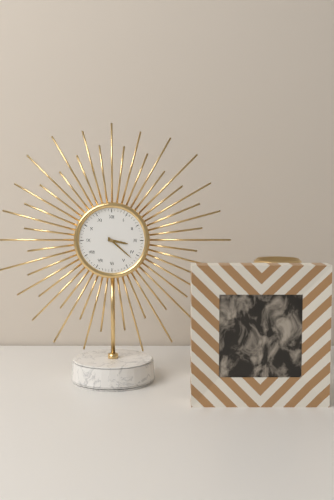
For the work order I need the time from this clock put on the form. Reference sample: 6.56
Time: 3.22
